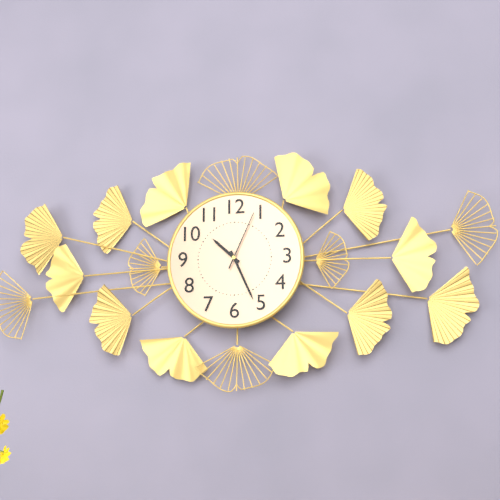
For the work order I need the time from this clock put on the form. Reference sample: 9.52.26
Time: 10.26.04
